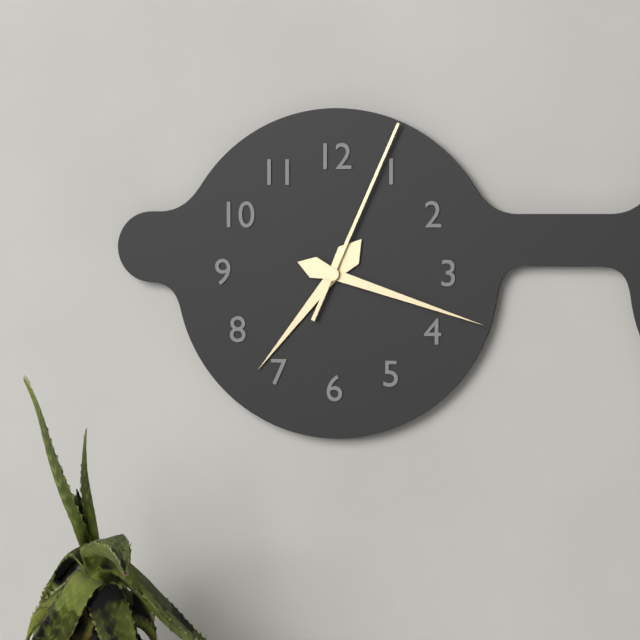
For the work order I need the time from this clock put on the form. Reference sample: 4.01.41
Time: 7.18.04
